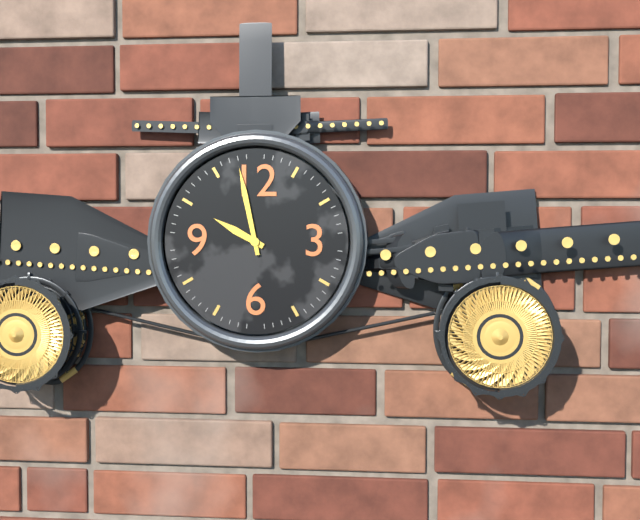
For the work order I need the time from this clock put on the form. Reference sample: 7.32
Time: 9.58
